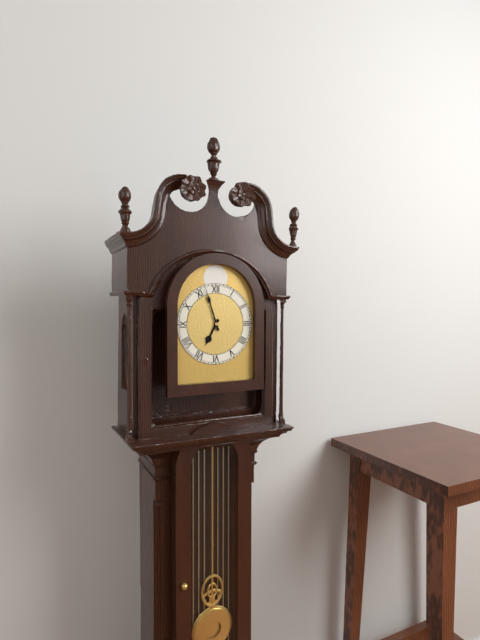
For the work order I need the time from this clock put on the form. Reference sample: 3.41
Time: 6.57
